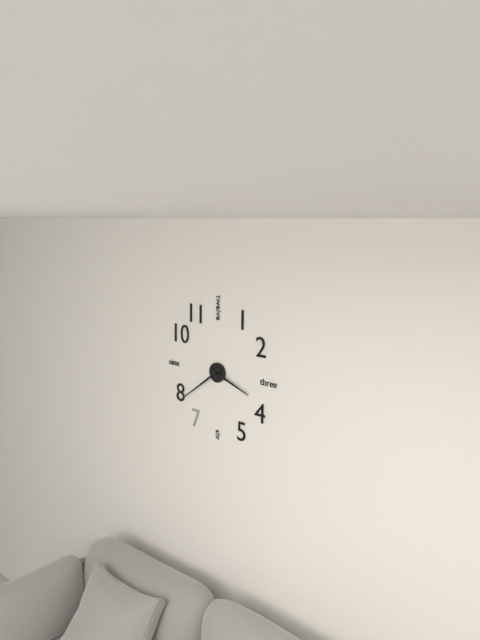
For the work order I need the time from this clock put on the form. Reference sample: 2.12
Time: 3.39
